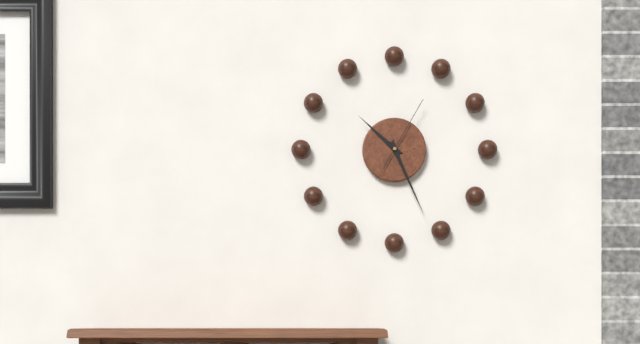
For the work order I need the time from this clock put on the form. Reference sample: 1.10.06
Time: 10.26.05
